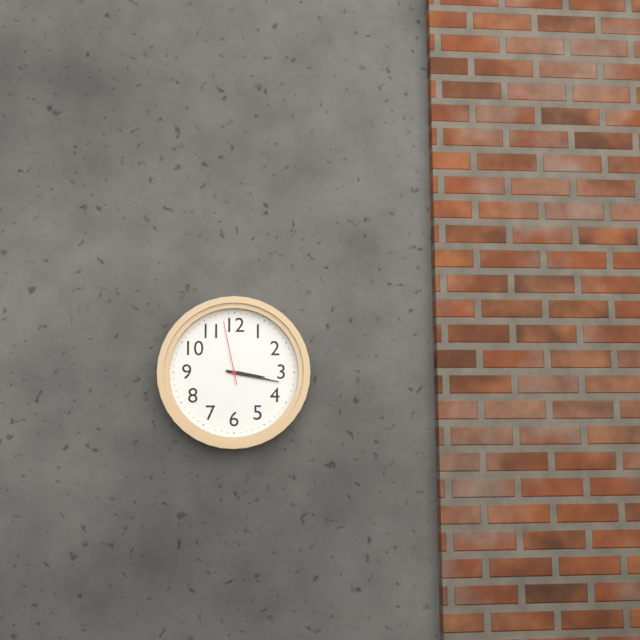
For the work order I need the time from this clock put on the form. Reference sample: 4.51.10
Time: 3.17.58
